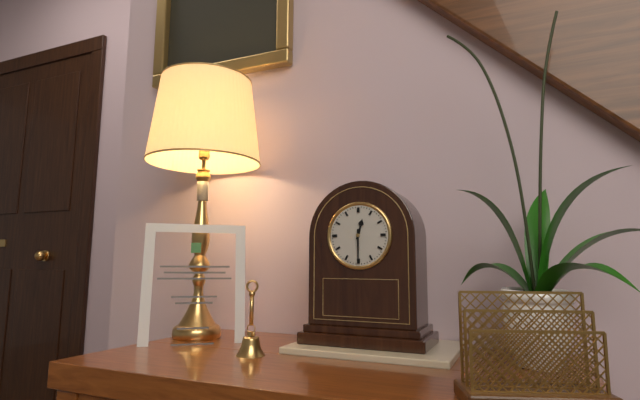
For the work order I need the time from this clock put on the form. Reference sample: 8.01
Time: 12.30
